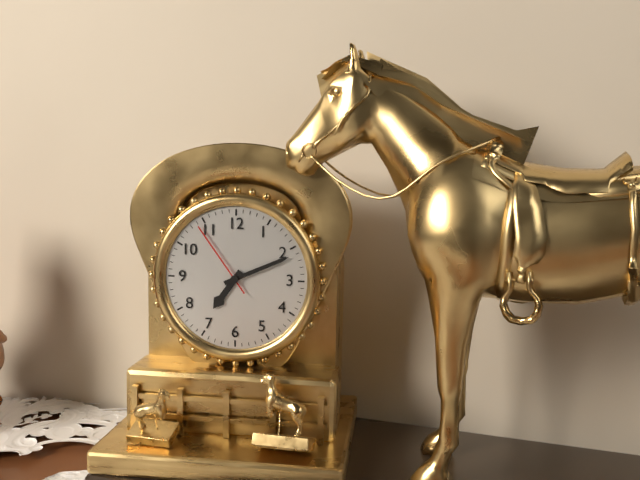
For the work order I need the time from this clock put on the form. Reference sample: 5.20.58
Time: 7.11.54
